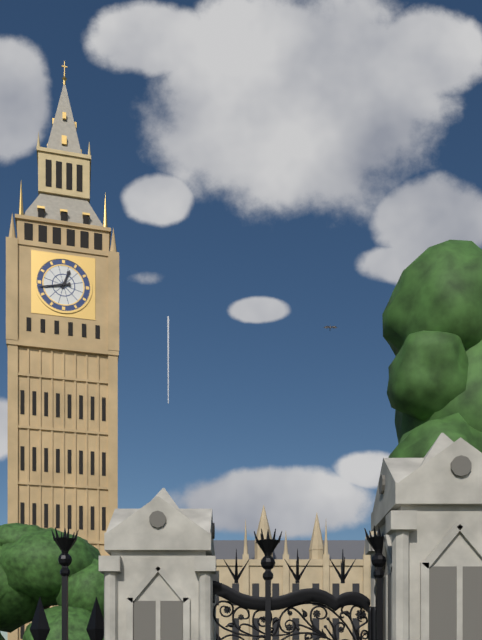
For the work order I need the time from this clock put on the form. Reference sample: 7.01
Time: 12.43
